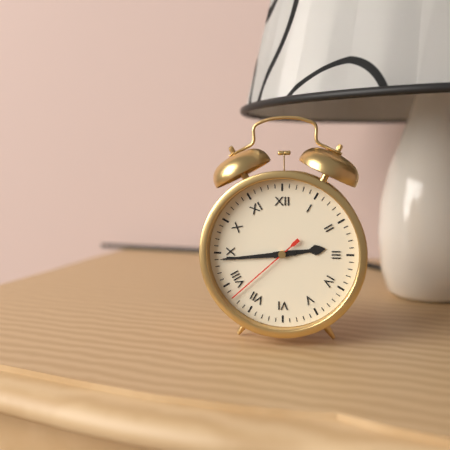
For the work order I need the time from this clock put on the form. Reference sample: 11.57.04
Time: 2.44.38
